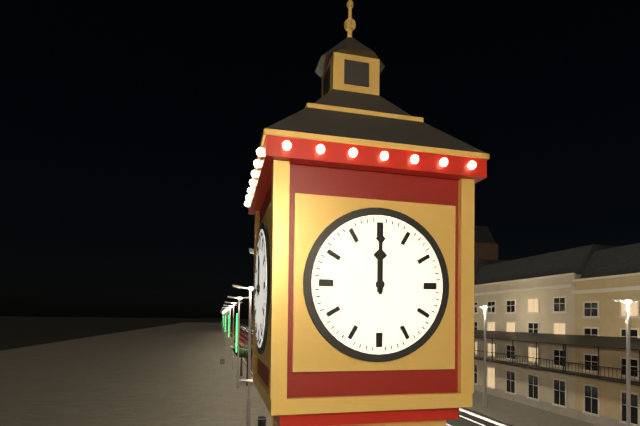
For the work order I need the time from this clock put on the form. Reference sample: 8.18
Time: 12.00
